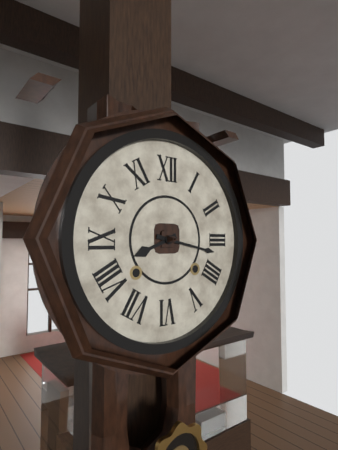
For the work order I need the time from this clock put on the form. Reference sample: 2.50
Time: 8.17
